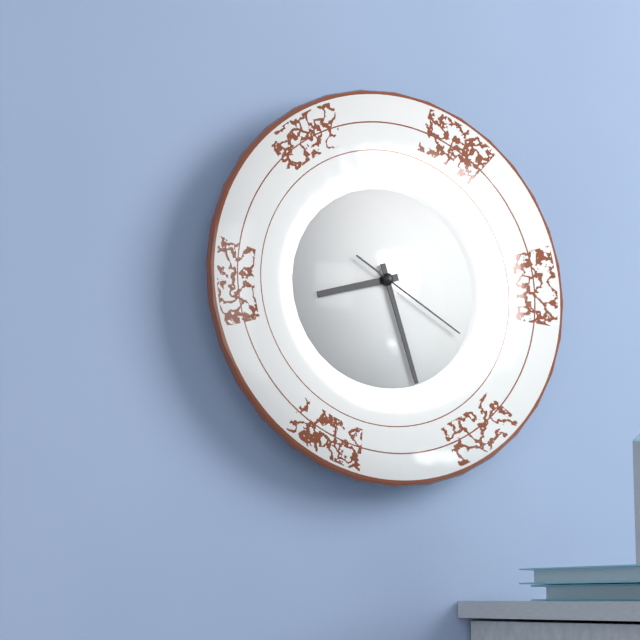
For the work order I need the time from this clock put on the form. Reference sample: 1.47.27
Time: 8.27.20
